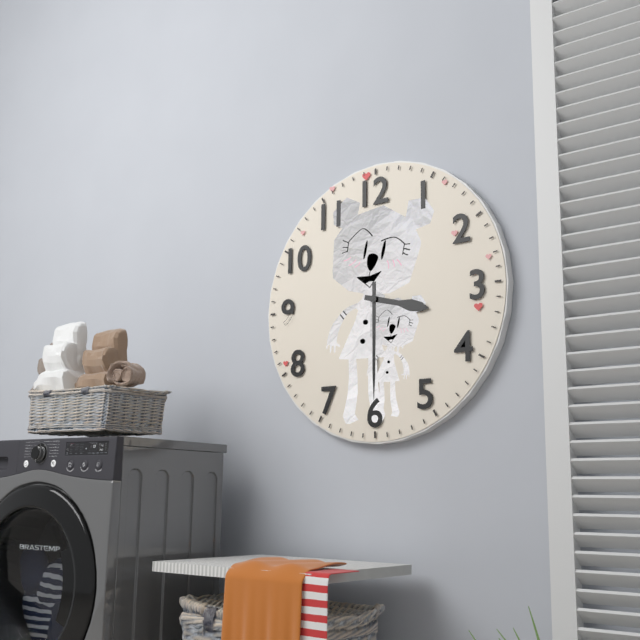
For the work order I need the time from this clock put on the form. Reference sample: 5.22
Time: 3.30
